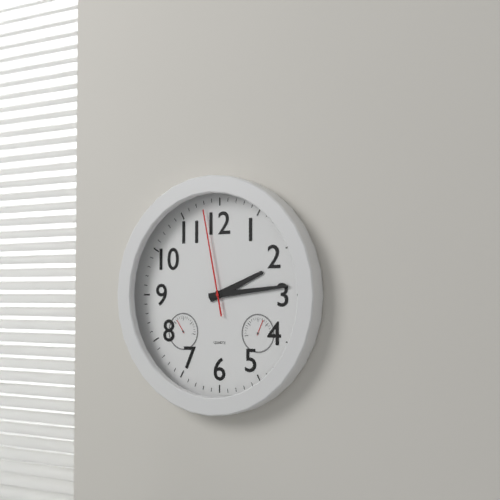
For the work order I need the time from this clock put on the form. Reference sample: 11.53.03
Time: 2.14.58
